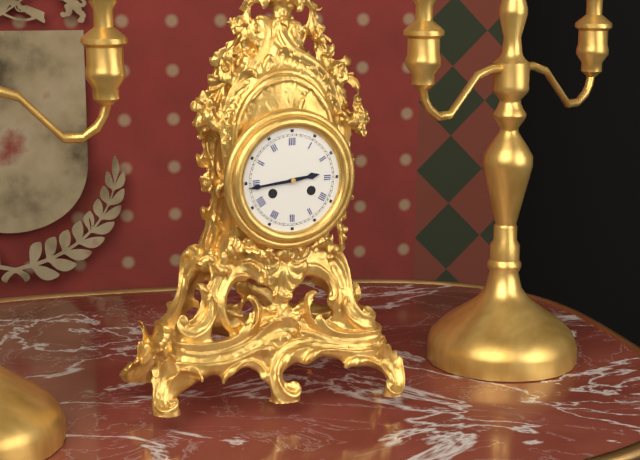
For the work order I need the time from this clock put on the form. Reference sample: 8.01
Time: 2.44
